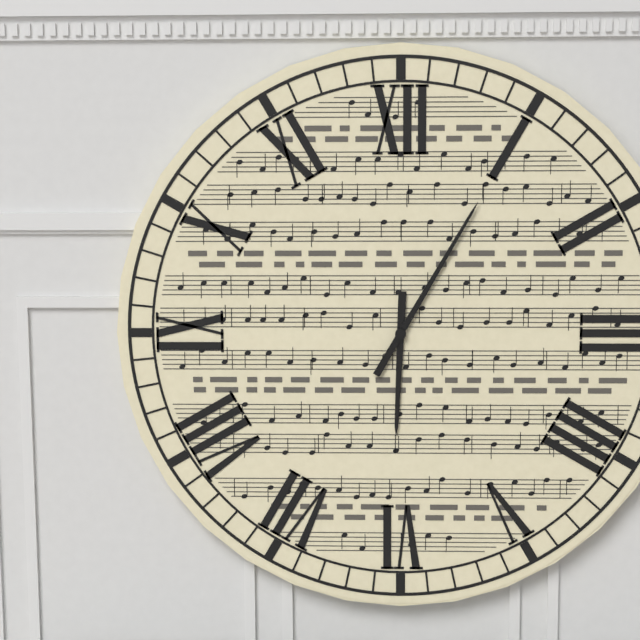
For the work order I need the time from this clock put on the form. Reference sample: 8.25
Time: 6.05
